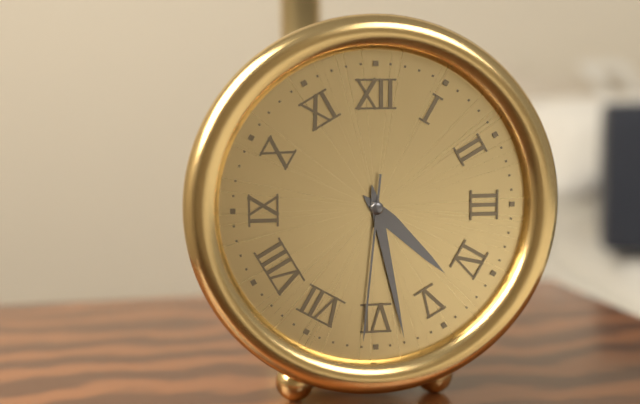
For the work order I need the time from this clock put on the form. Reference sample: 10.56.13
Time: 4.28.31
